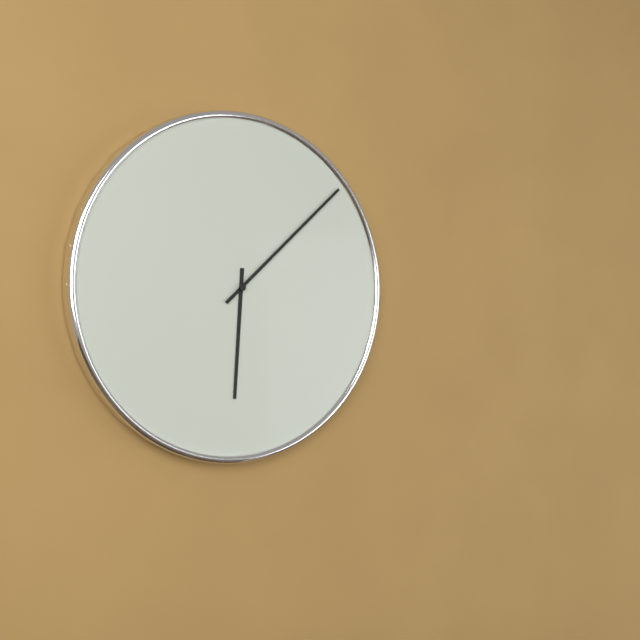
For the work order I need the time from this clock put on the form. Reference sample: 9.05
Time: 6.08
